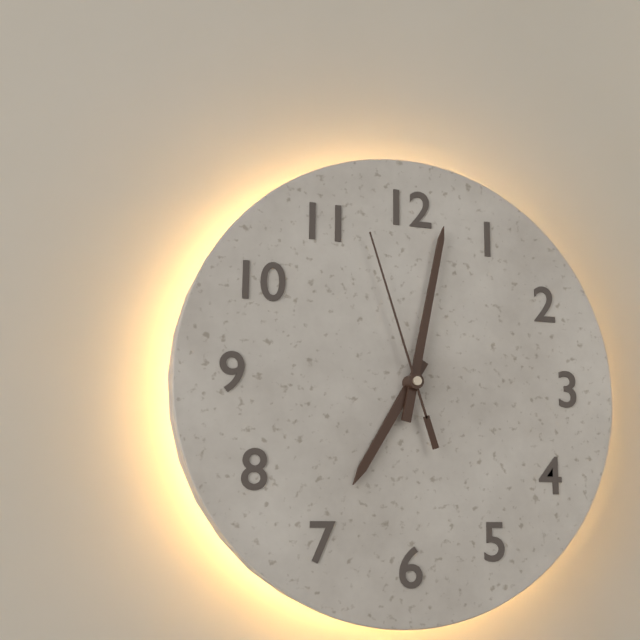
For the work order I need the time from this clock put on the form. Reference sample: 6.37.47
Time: 7.02.57
